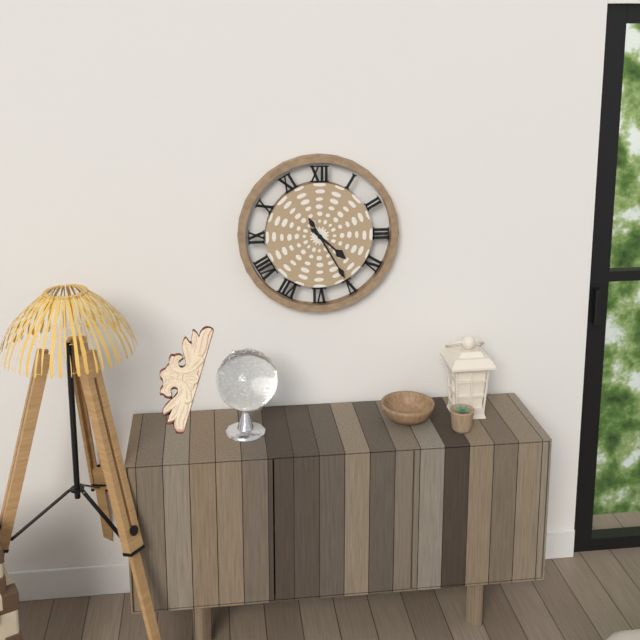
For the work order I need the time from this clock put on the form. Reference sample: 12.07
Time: 4.25
